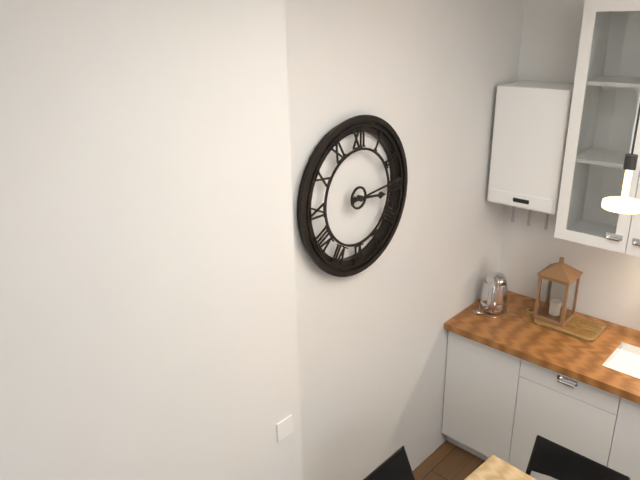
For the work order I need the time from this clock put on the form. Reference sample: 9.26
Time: 3.14
